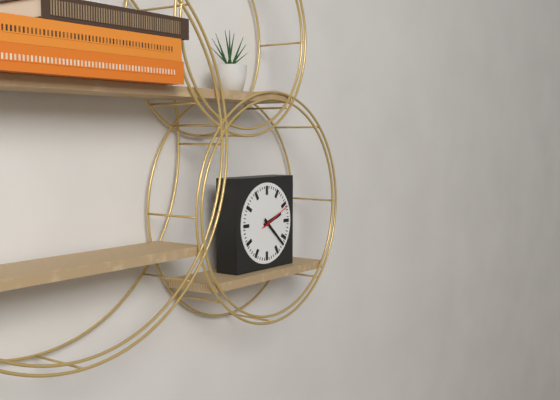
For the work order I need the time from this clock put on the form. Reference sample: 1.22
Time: 2.22
